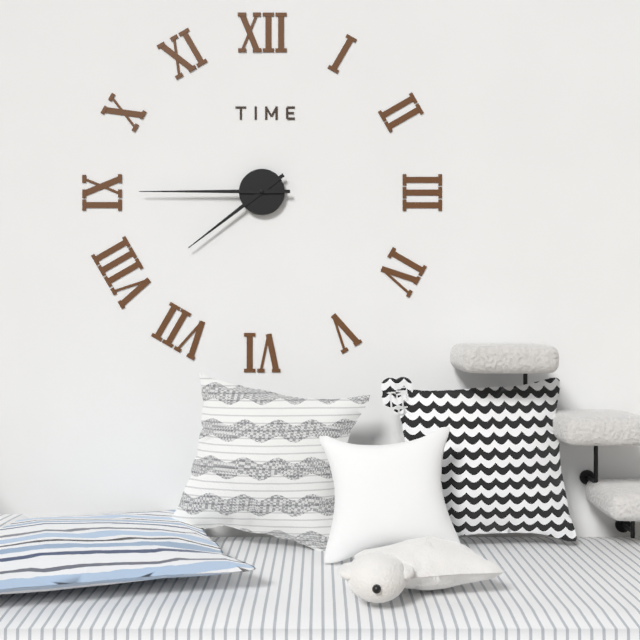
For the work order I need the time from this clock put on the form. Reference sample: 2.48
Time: 7.45
